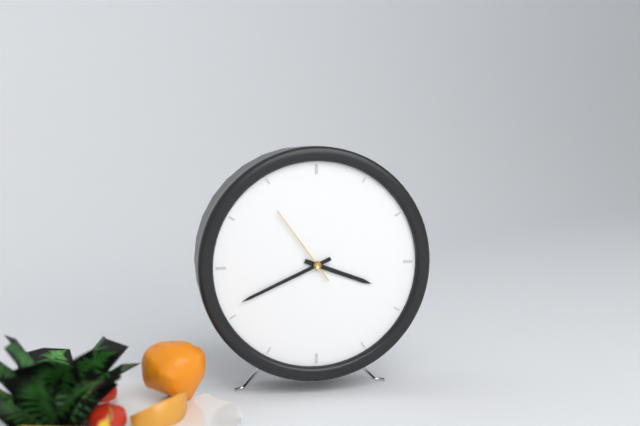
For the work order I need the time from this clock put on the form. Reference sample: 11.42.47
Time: 3.41.54
